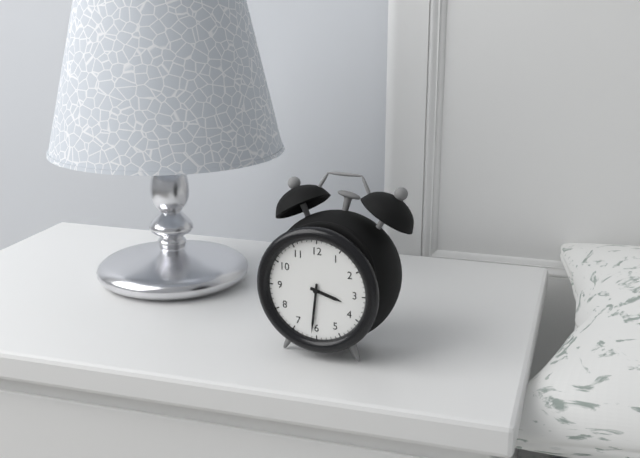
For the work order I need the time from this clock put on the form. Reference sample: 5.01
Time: 3.31
